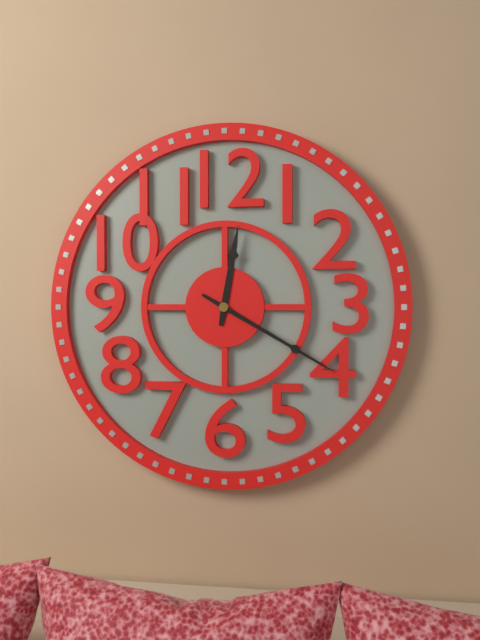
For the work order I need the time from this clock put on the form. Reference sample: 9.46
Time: 12.20
